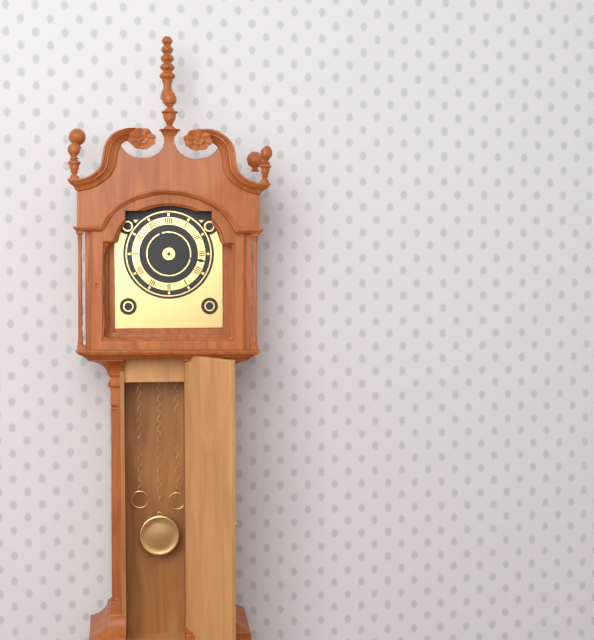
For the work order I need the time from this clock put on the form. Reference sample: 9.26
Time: 11.17
